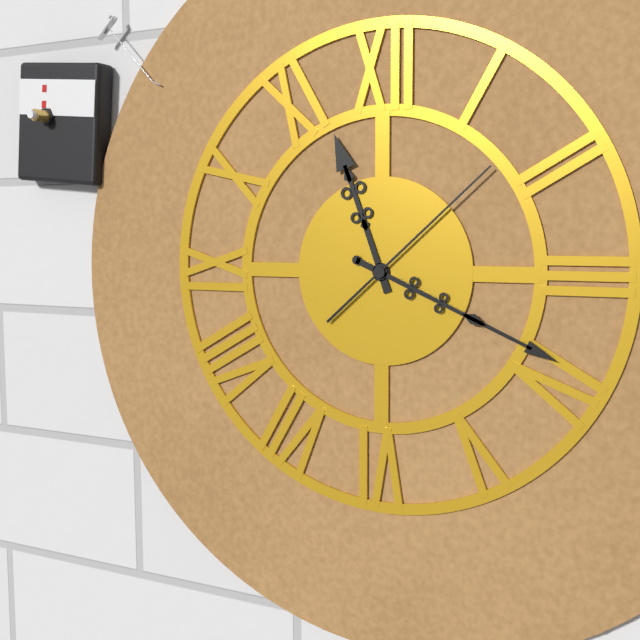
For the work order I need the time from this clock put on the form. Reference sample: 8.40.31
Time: 11.19.08
